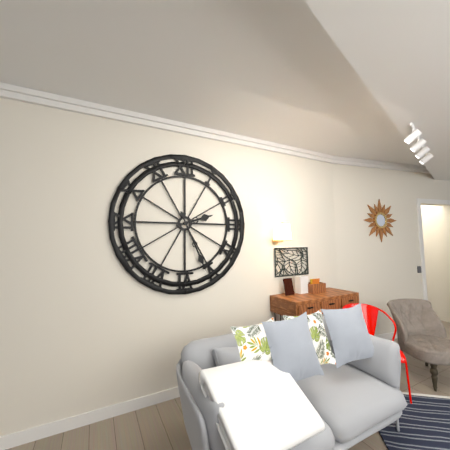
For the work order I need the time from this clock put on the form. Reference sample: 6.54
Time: 2.26
